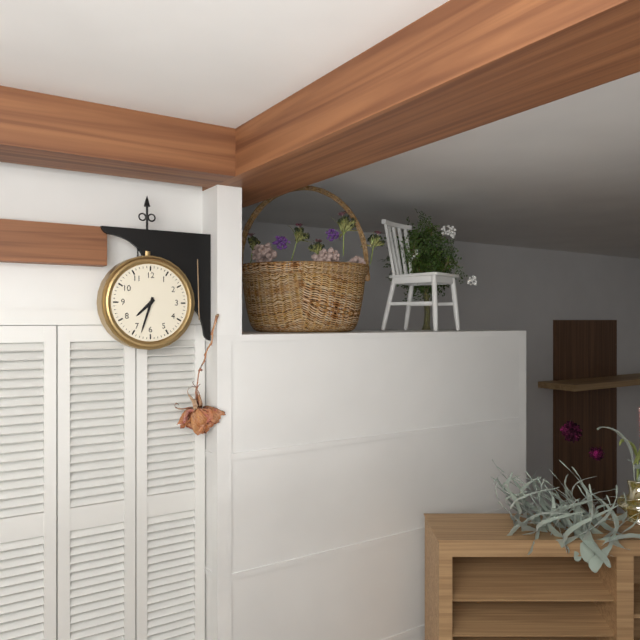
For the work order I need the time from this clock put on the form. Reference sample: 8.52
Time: 7.33
